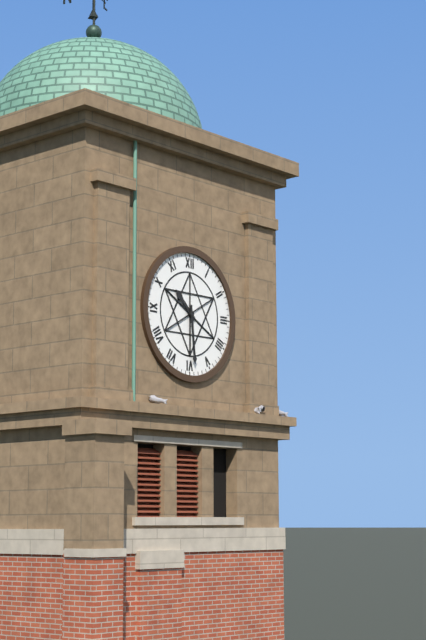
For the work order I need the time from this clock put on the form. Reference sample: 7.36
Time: 10.29
